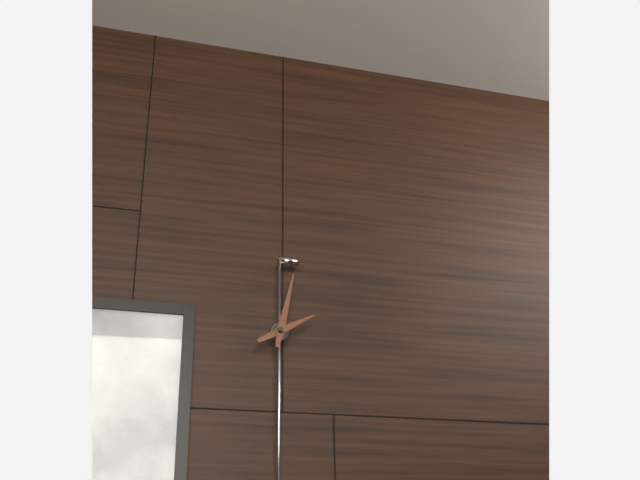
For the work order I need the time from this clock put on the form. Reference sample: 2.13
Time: 2.02
